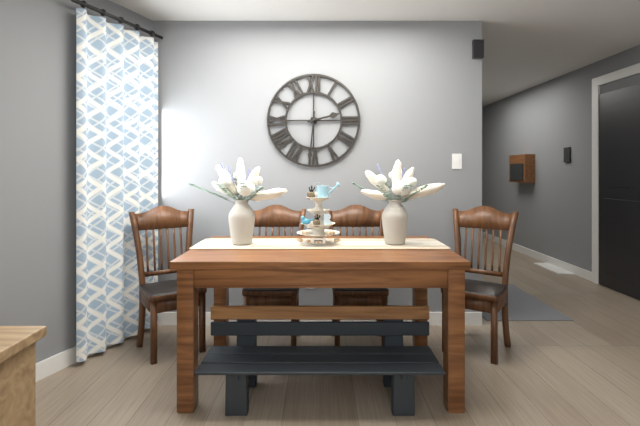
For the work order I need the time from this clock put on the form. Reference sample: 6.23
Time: 2.31
